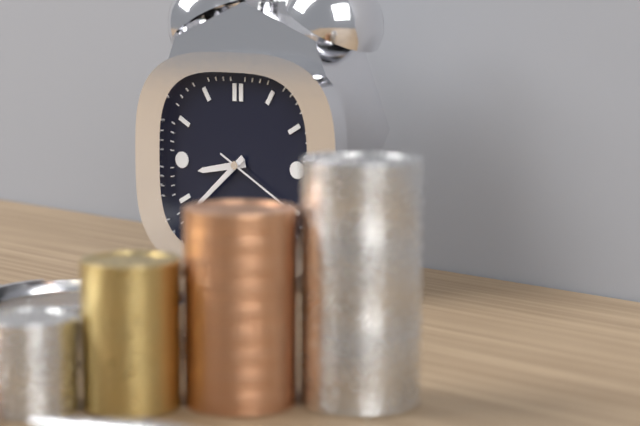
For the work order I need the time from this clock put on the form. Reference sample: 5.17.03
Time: 8.38.20
